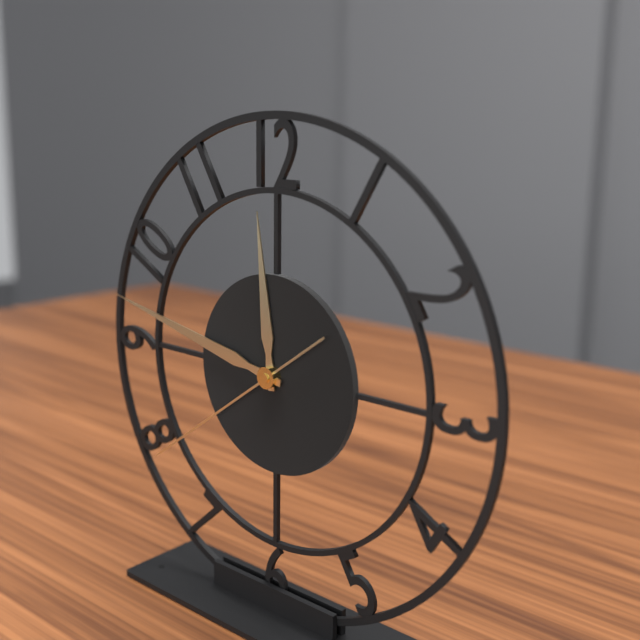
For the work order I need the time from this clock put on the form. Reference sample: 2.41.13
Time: 11.47.39
